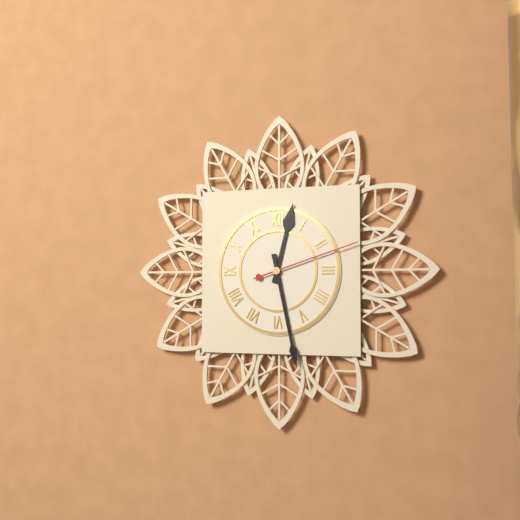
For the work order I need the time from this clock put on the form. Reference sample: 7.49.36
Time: 12.28.12
